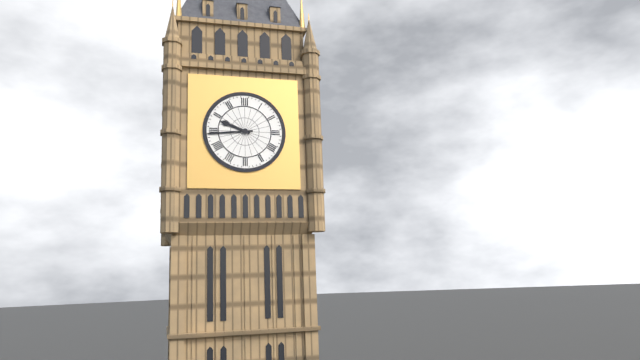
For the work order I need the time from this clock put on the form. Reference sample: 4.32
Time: 9.44
